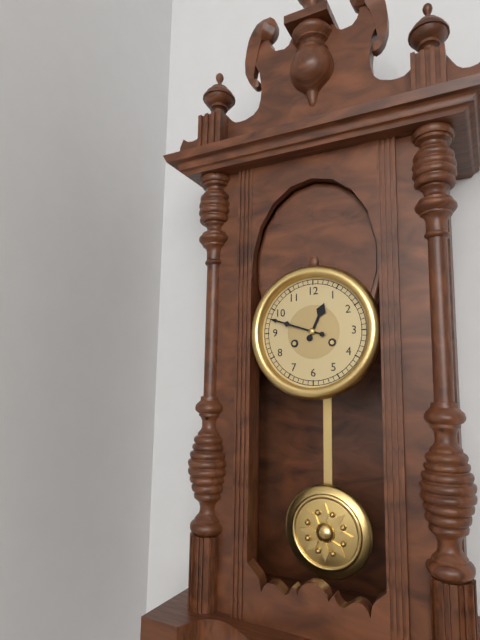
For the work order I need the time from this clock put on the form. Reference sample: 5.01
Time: 12.48
